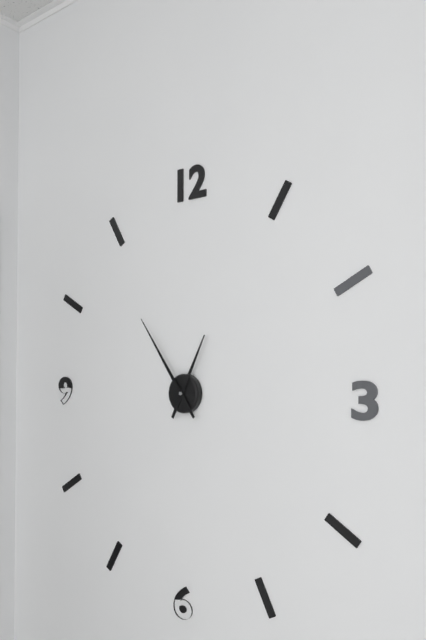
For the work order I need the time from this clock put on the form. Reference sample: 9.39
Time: 12.54
